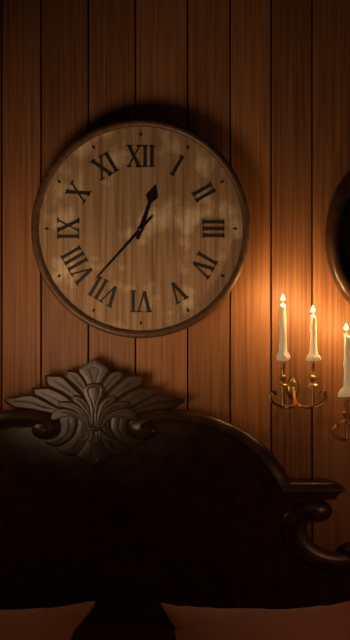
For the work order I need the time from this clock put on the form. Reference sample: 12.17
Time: 12.37
